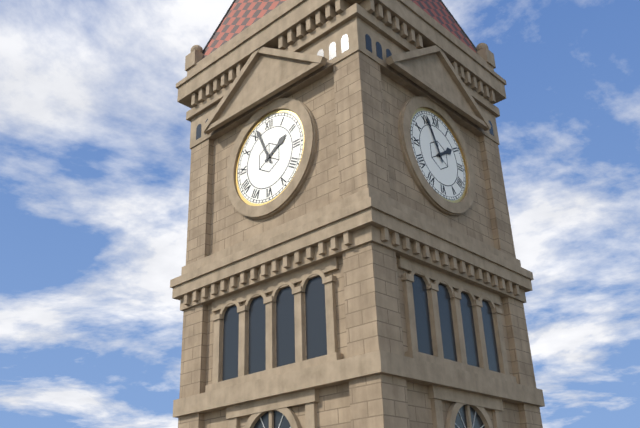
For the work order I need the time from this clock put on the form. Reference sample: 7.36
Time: 1.56
